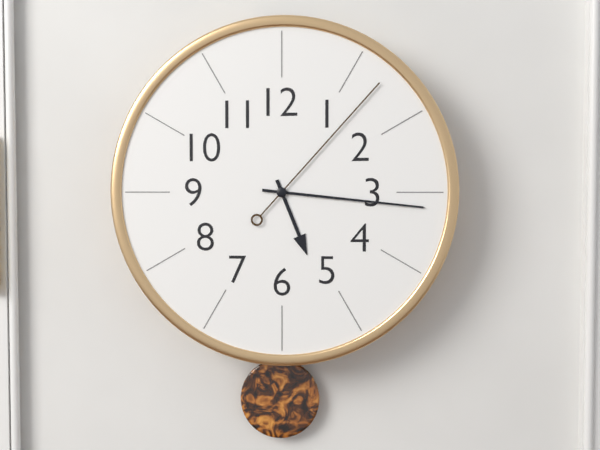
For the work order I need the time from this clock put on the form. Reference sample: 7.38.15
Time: 5.16.07
